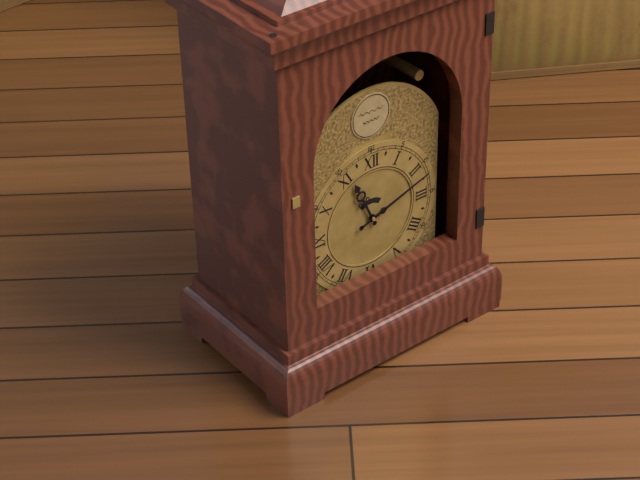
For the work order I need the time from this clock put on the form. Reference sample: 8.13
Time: 11.12
